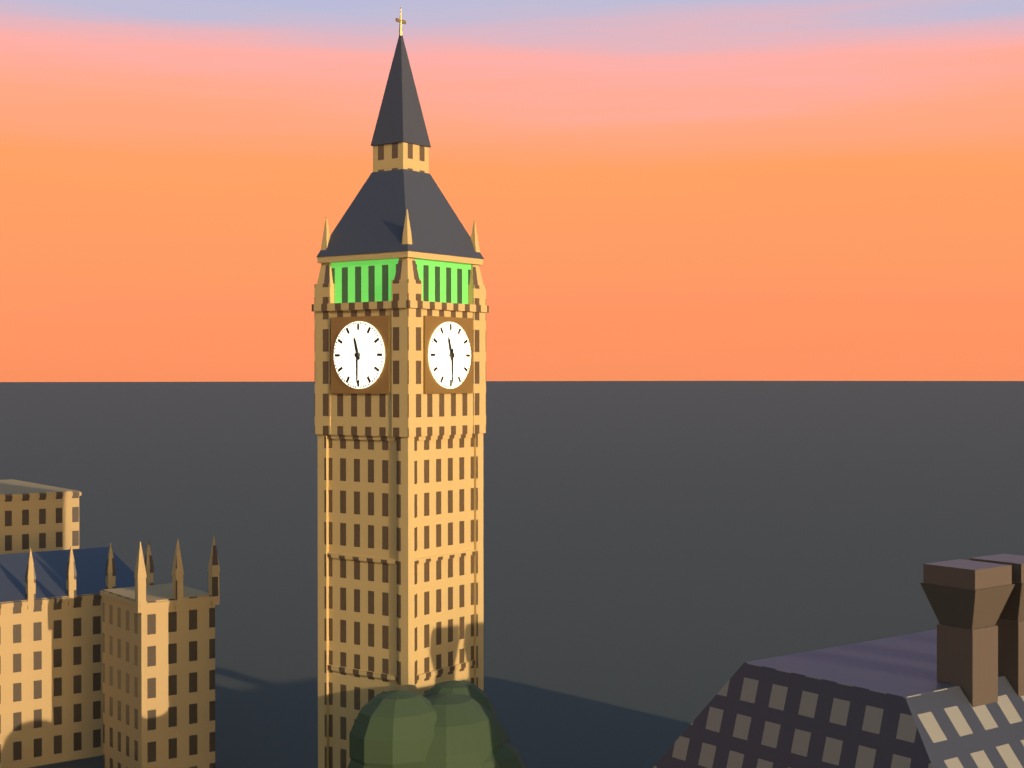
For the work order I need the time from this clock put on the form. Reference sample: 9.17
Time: 11.30
